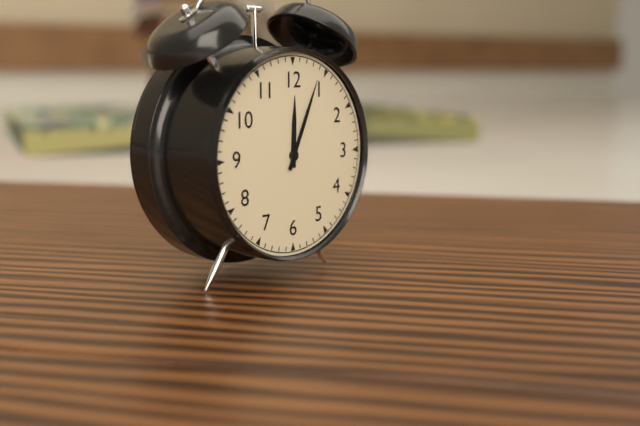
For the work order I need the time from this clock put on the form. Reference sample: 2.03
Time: 12.04
